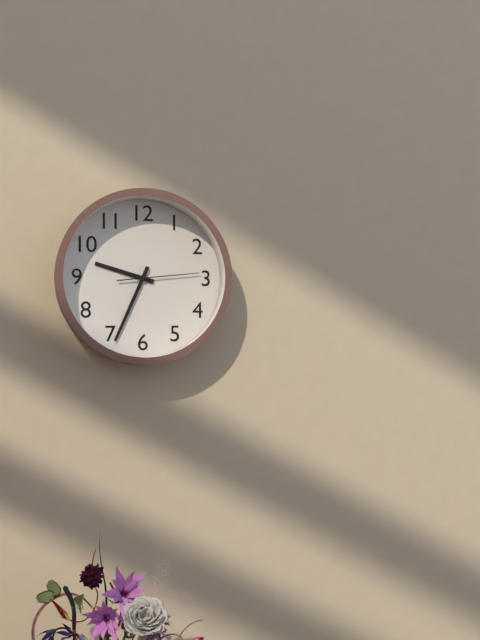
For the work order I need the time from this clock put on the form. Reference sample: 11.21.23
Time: 9.34.14
